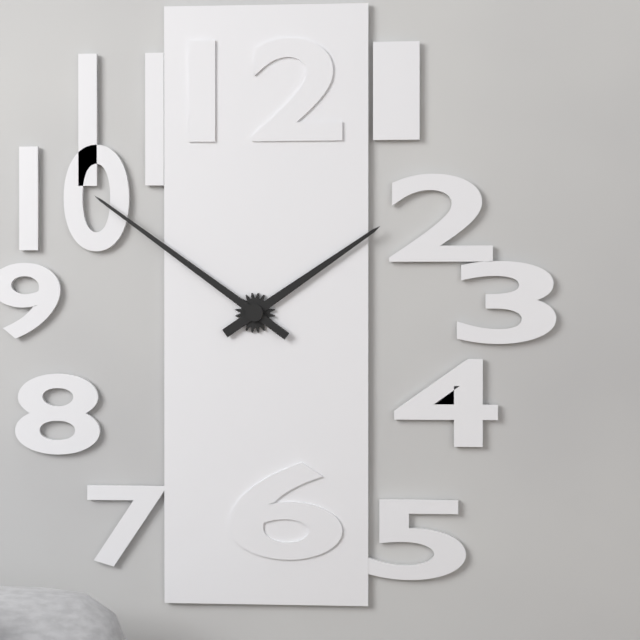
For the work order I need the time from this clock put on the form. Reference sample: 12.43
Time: 1.51
